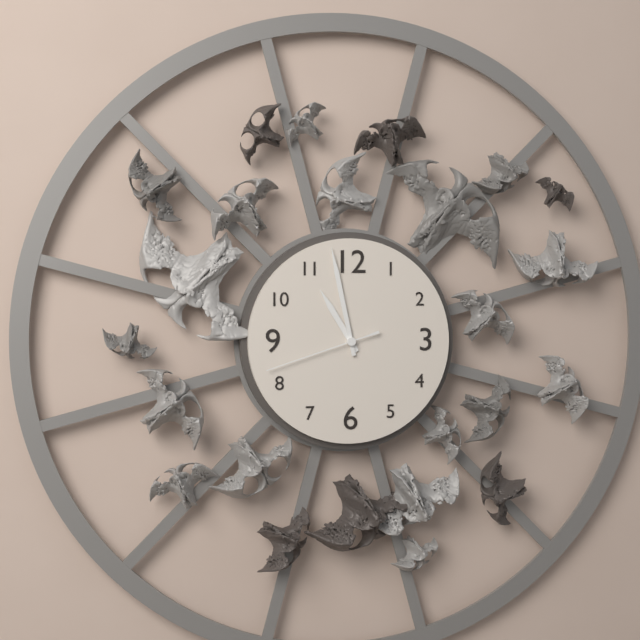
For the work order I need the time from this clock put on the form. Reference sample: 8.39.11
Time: 10.58.42
